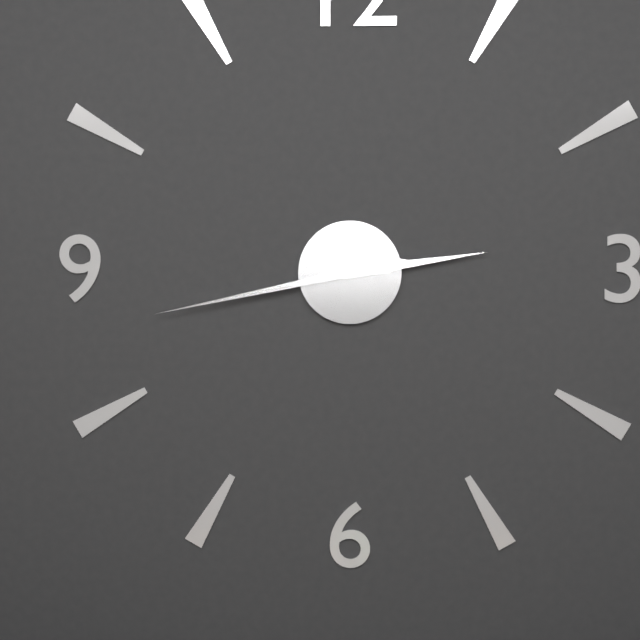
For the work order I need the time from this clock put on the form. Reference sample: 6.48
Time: 2.43
